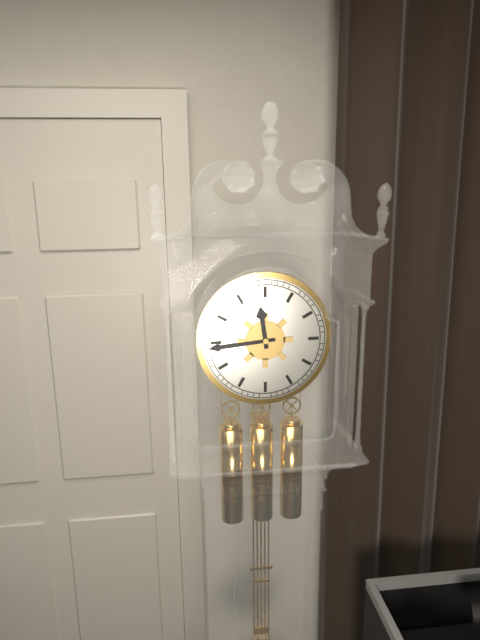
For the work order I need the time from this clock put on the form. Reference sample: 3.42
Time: 11.44
